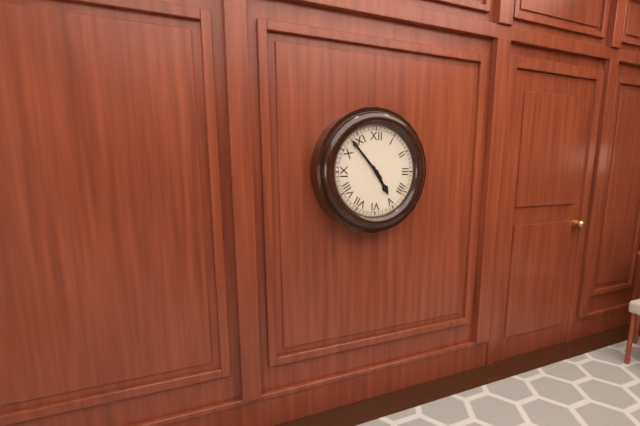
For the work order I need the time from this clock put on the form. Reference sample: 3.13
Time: 4.53
